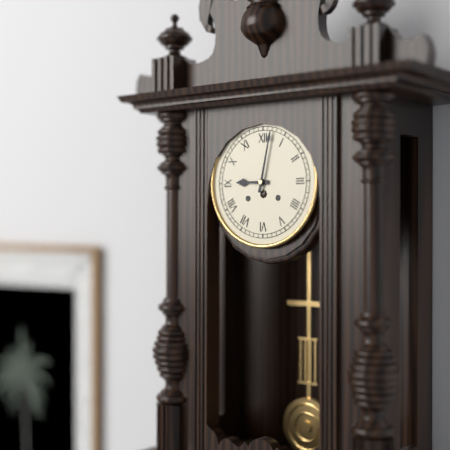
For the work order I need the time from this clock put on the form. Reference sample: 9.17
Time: 9.02
